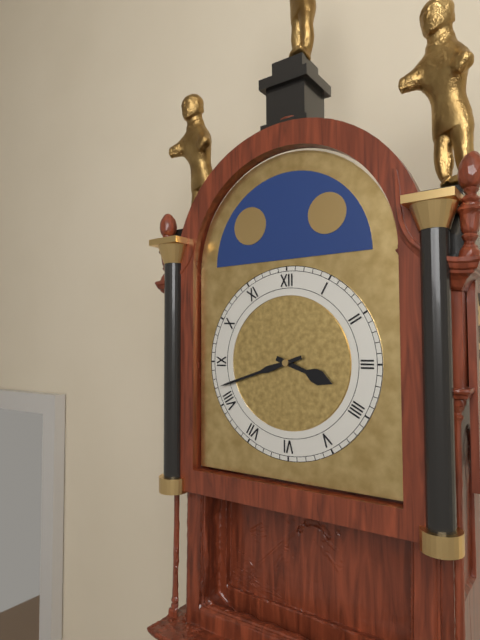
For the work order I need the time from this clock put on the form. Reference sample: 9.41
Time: 3.42
